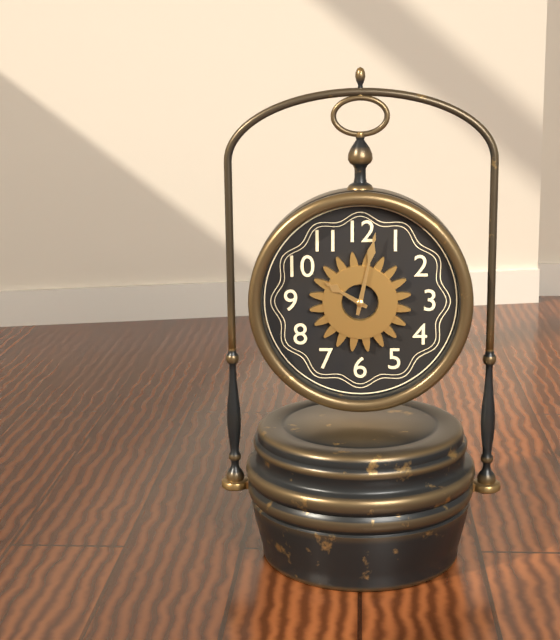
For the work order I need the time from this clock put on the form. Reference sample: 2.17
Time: 10.02
